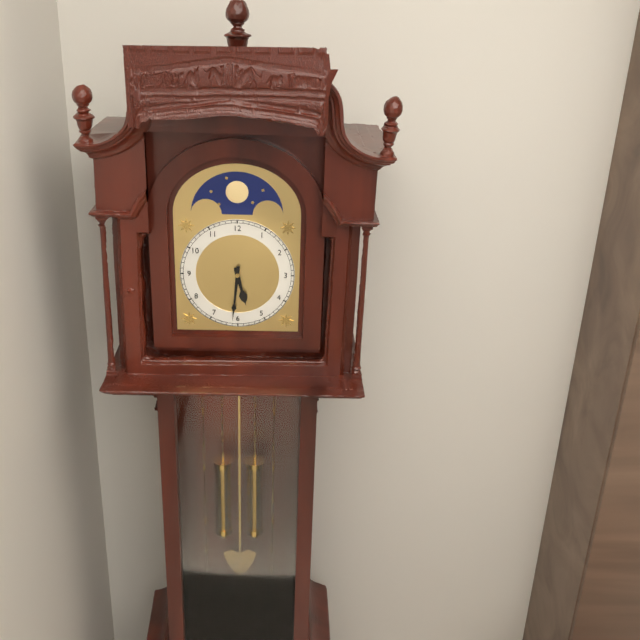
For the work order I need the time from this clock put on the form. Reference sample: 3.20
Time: 5.31
